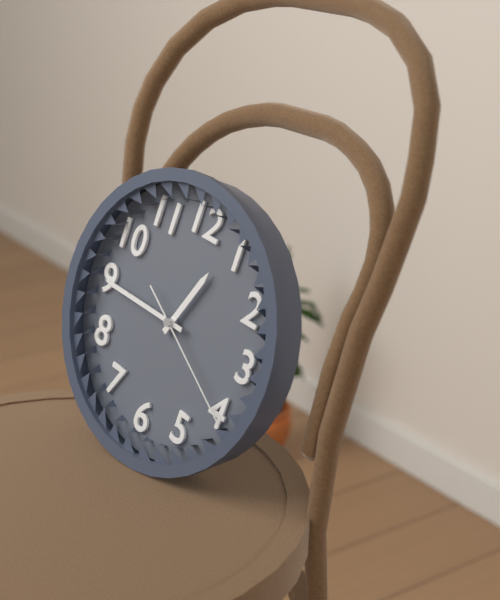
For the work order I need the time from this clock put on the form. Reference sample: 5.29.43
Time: 12.45.20
